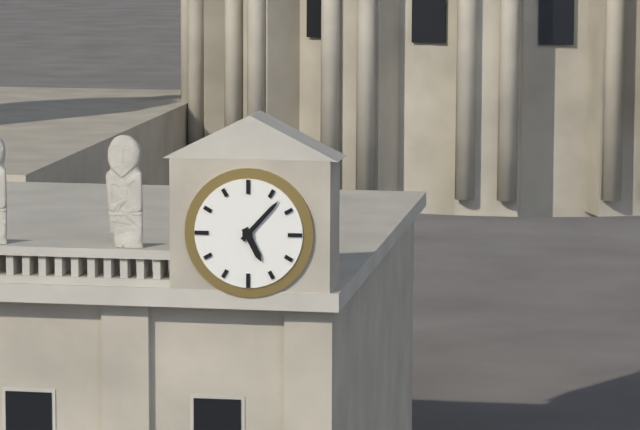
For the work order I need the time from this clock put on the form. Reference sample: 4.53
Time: 5.07
